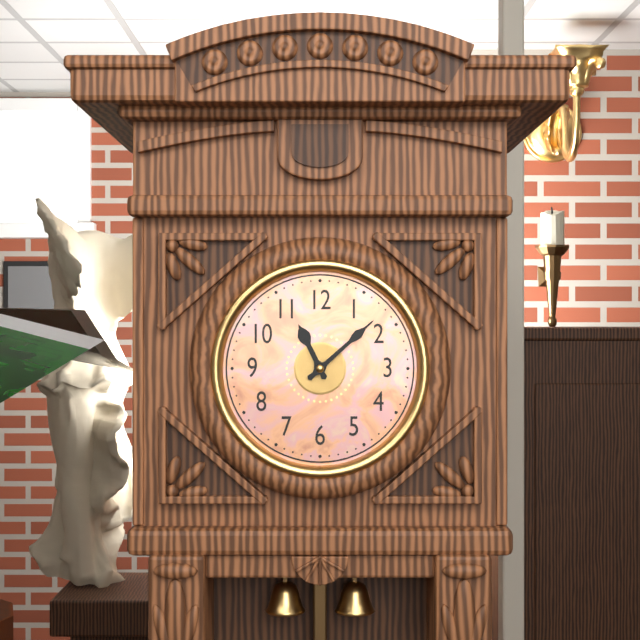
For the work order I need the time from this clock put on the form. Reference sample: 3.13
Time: 11.08
